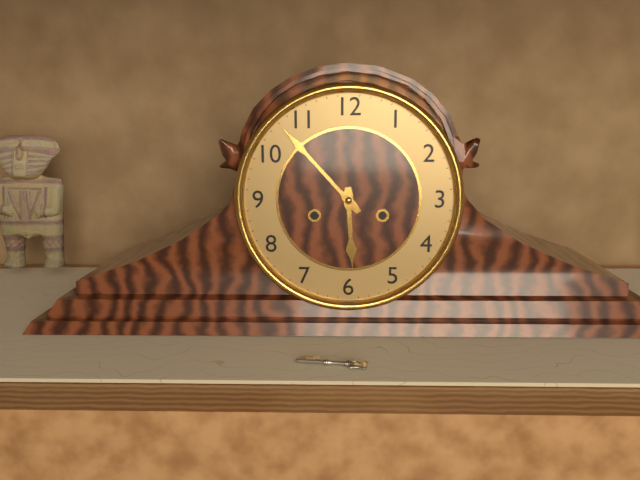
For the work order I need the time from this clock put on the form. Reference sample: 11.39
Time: 5.53
